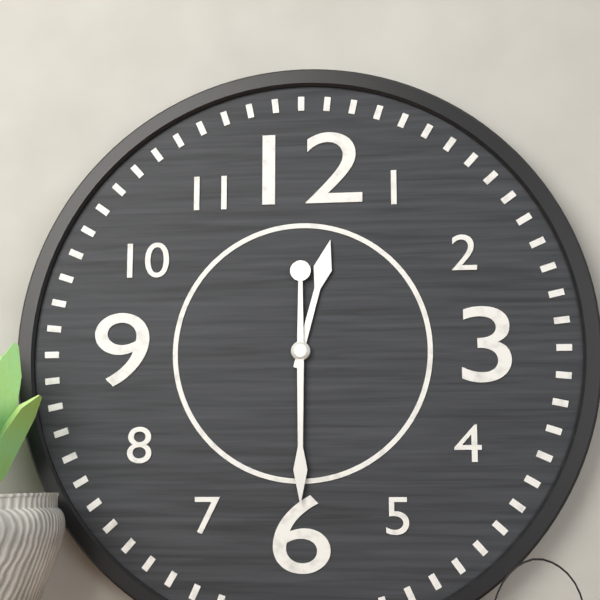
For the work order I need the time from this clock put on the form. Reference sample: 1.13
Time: 12.30
